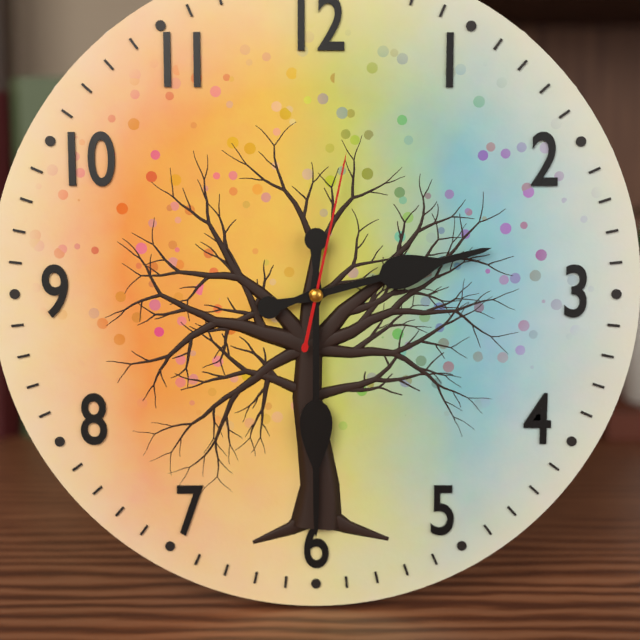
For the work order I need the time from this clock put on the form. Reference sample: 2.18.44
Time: 2.30.02
